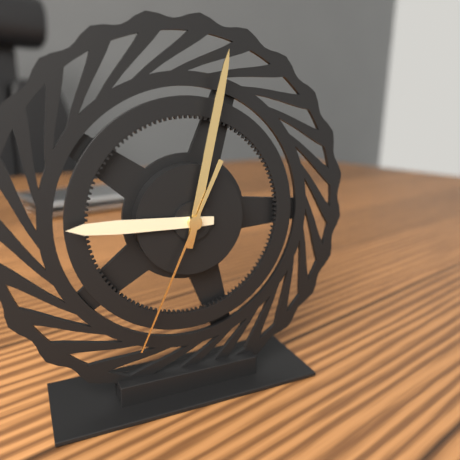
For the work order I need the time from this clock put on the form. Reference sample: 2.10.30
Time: 9.02.34
